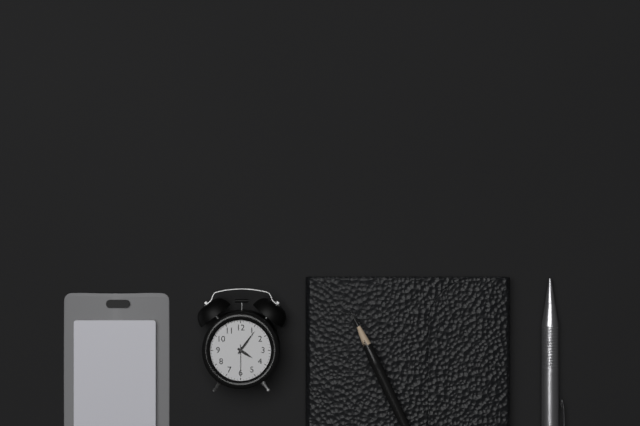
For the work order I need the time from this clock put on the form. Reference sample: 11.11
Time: 4.06
